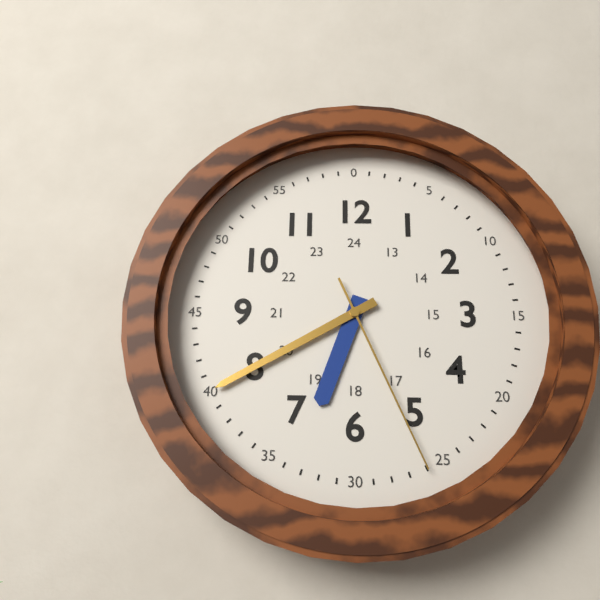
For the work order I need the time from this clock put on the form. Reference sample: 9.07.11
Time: 6.40.26
